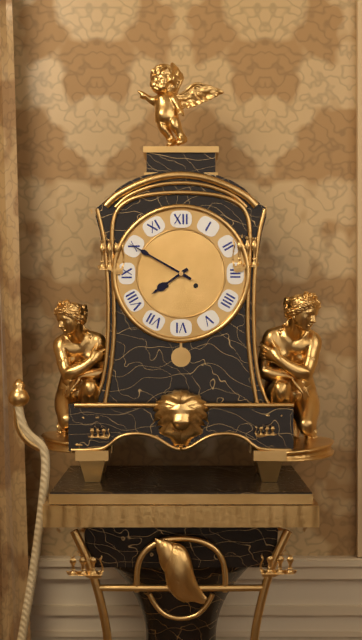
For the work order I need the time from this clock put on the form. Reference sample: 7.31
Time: 7.50
